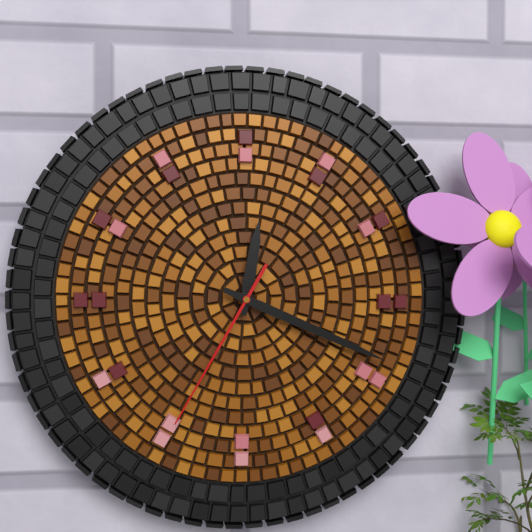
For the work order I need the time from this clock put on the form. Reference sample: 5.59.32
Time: 12.19.35
